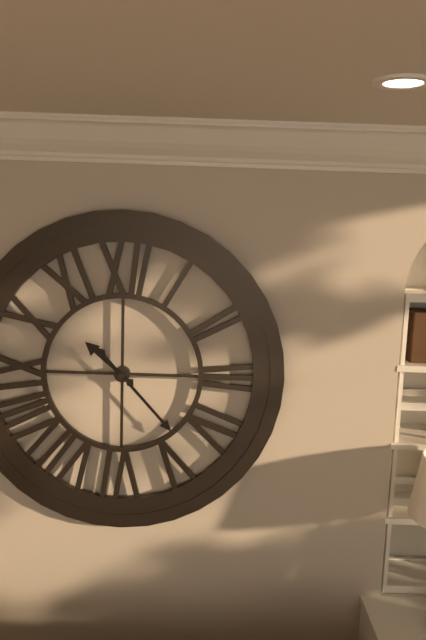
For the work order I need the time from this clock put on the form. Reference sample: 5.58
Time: 10.23
